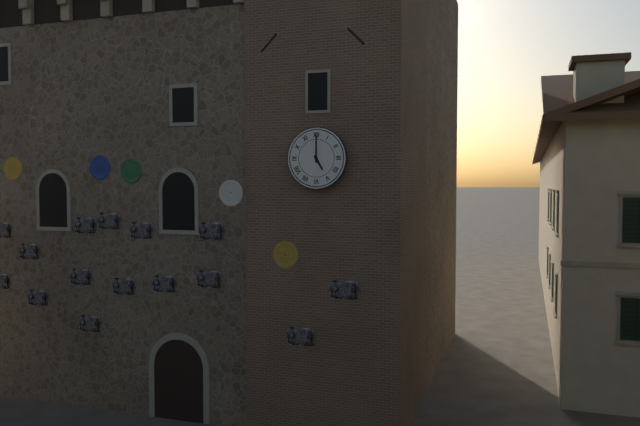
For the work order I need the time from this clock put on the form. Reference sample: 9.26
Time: 5.00
